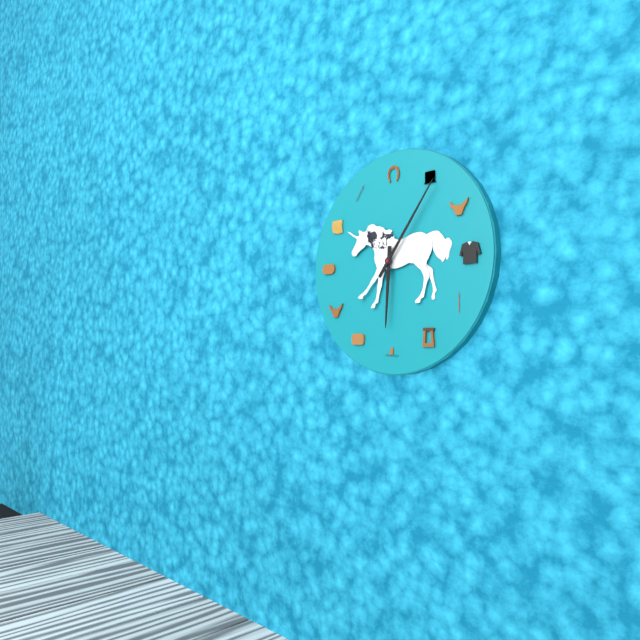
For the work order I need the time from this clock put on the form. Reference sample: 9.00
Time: 6.06
